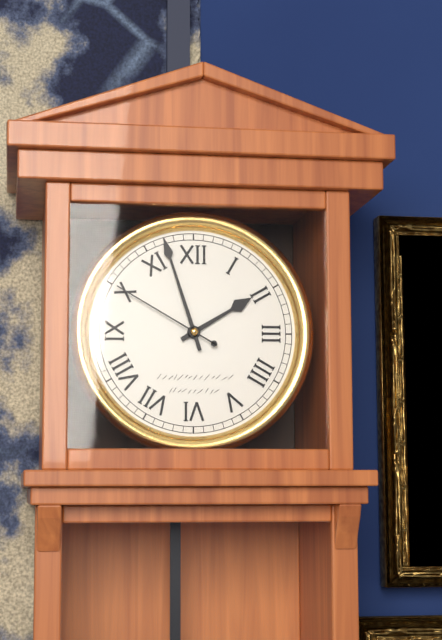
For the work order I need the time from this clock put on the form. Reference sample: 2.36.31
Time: 1.57.50
